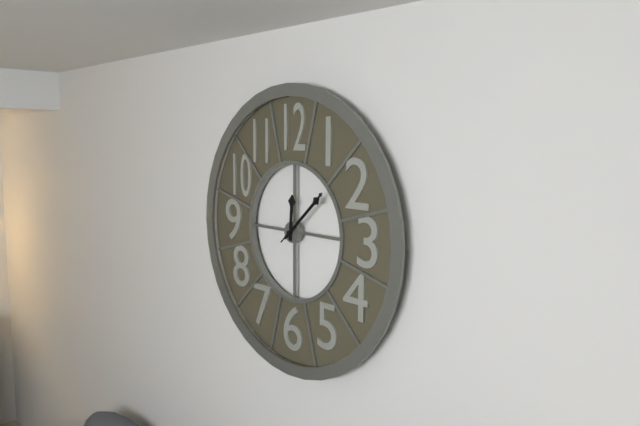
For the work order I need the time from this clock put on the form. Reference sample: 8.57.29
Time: 12.08.08
